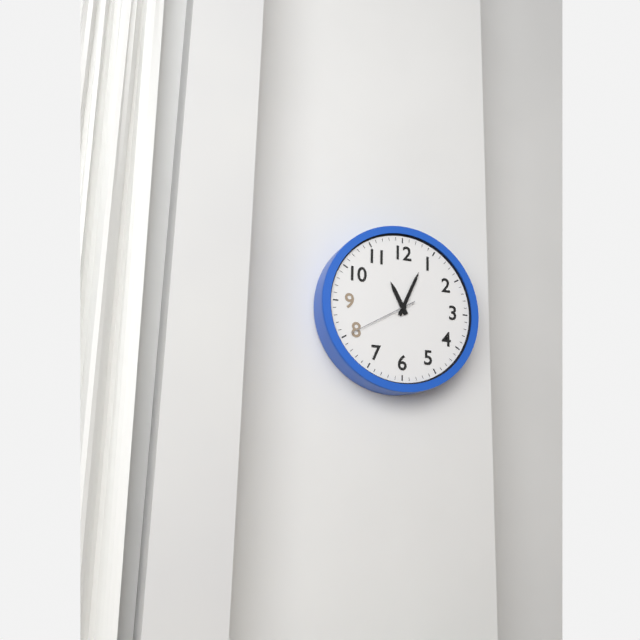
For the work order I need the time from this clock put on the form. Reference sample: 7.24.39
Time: 11.04.40
